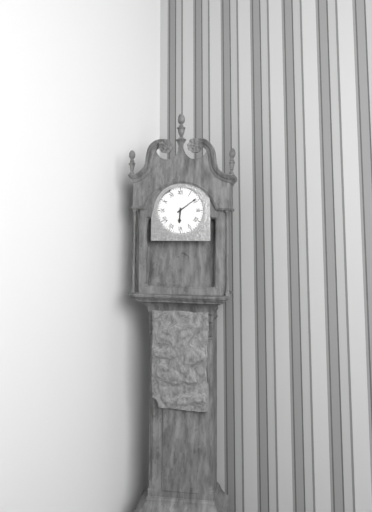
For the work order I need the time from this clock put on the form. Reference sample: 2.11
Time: 6.09
